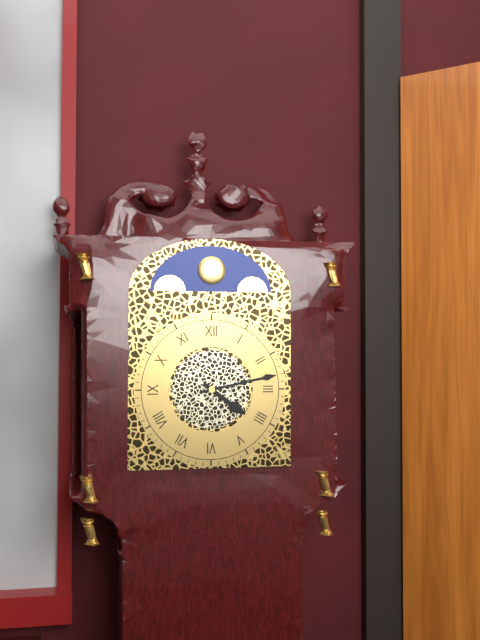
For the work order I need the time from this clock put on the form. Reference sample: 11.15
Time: 4.13
